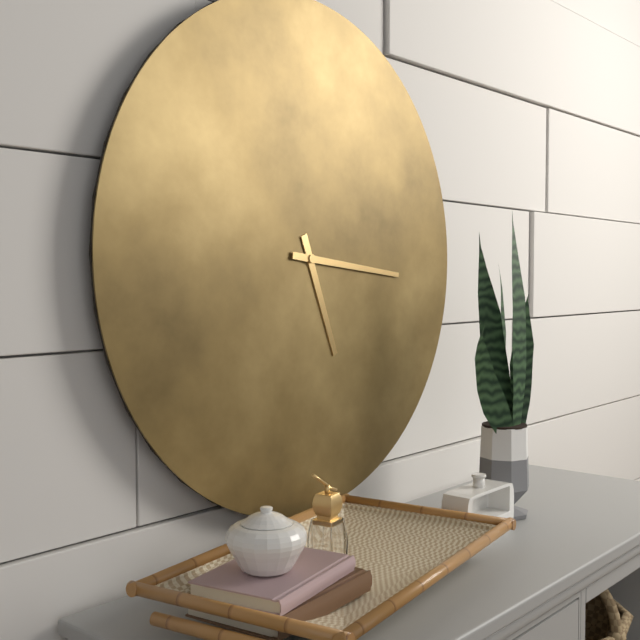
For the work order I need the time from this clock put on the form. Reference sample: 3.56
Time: 5.16
